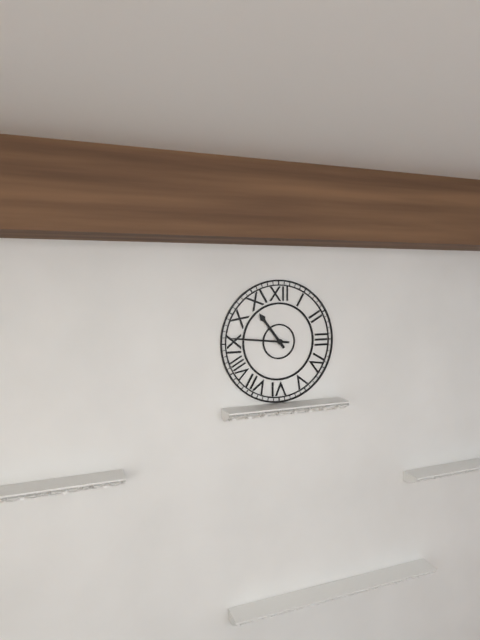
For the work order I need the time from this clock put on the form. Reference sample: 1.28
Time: 10.46
